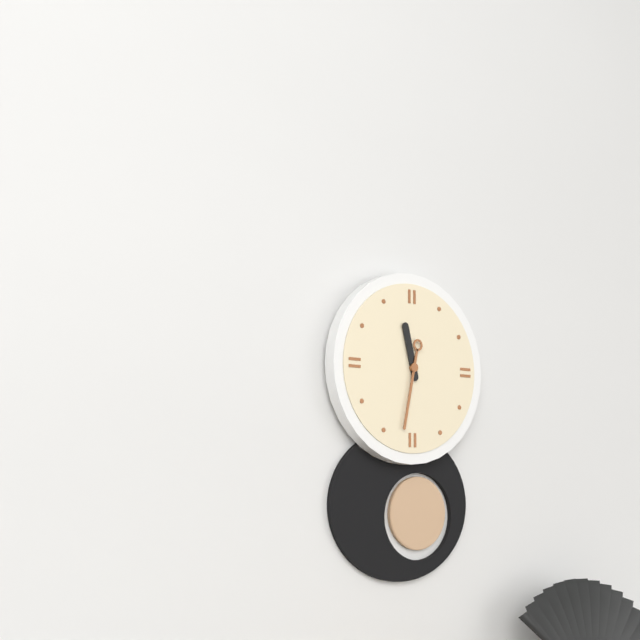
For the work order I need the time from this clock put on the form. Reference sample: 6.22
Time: 11.32
